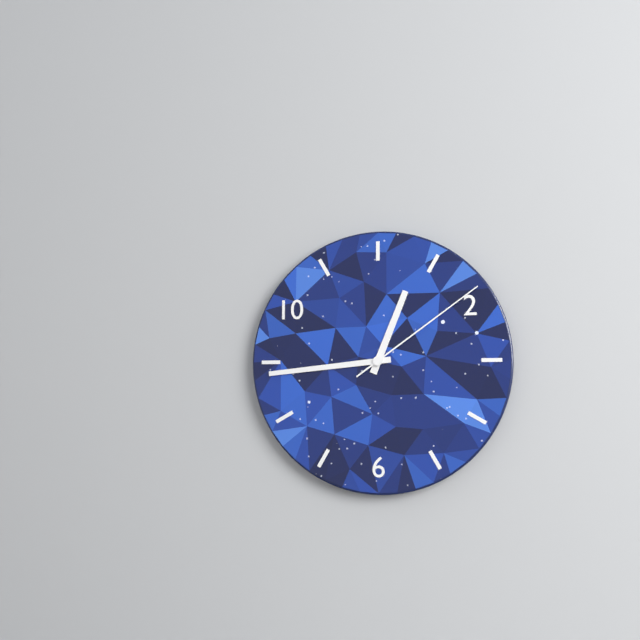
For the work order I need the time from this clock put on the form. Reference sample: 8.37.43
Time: 12.44.09
